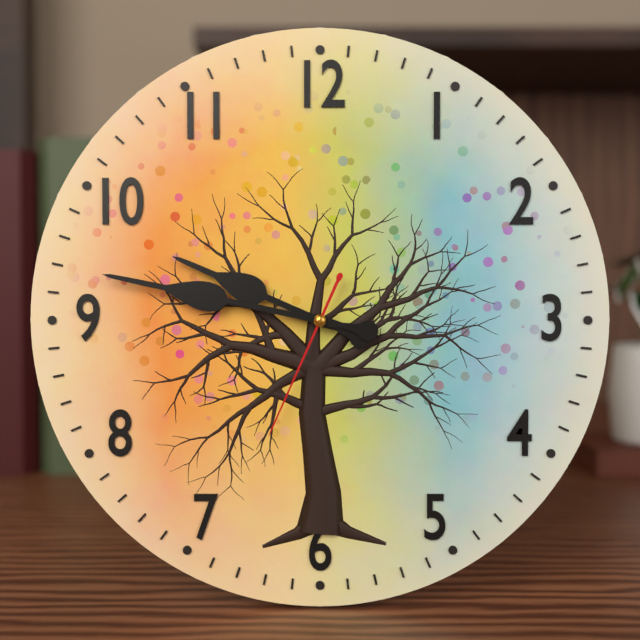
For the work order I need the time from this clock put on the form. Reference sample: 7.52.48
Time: 9.47.34
